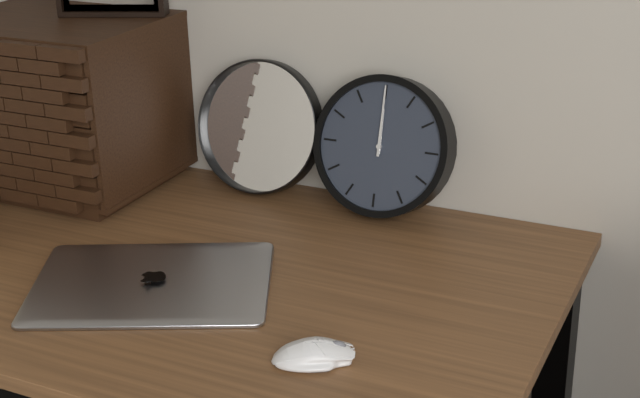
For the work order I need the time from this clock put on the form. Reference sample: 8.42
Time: 12.00
